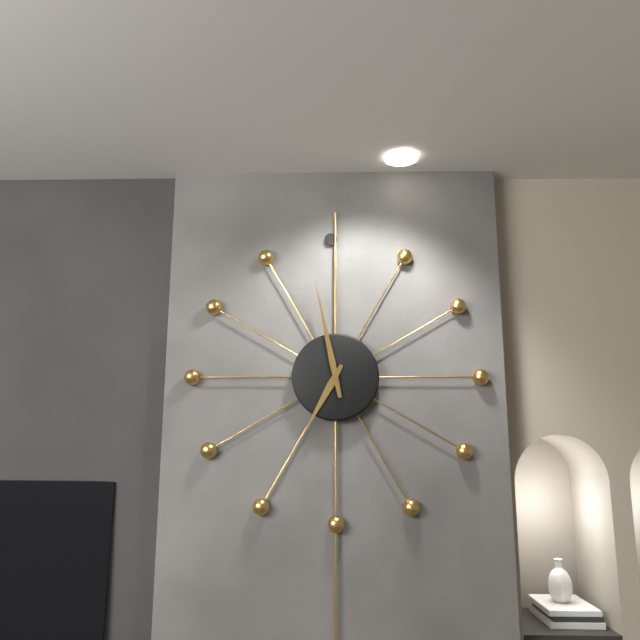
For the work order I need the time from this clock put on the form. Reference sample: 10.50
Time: 6.58
